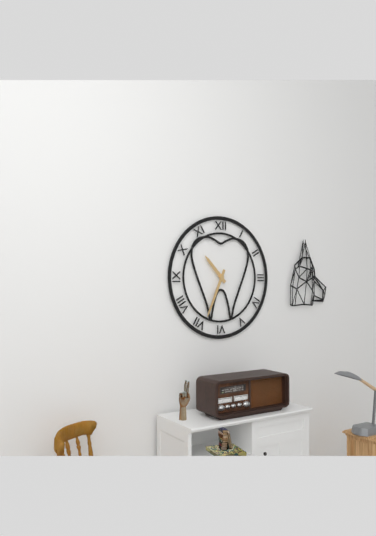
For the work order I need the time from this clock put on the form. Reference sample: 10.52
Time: 10.34
